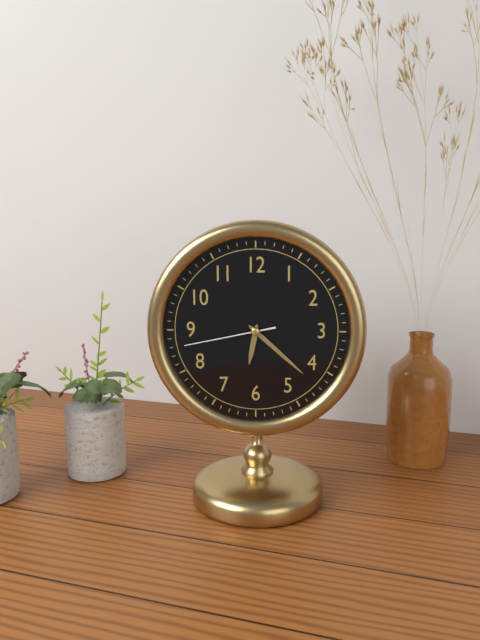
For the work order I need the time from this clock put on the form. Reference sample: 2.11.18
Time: 6.22.43
